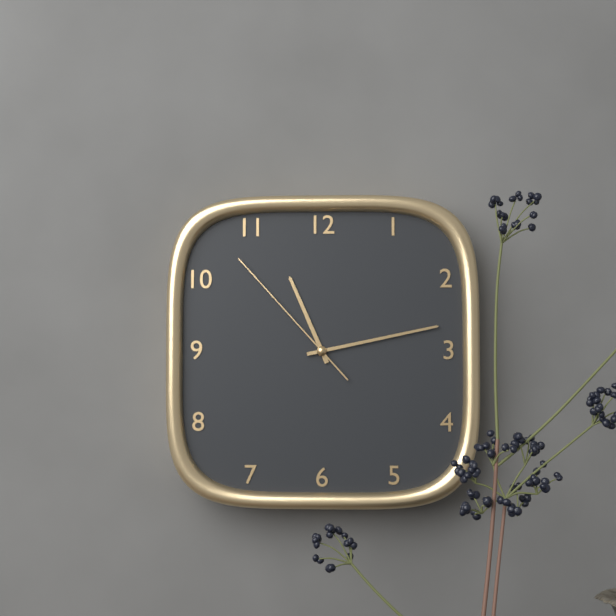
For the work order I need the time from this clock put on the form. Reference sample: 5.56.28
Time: 11.13.53
